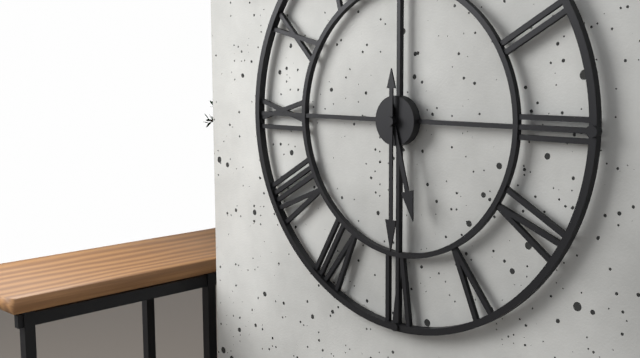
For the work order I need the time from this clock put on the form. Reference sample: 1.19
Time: 5.30
